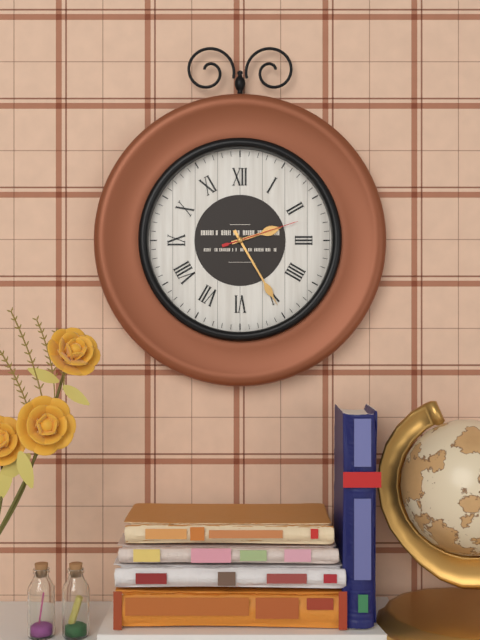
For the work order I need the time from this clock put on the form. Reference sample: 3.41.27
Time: 2.25.12
